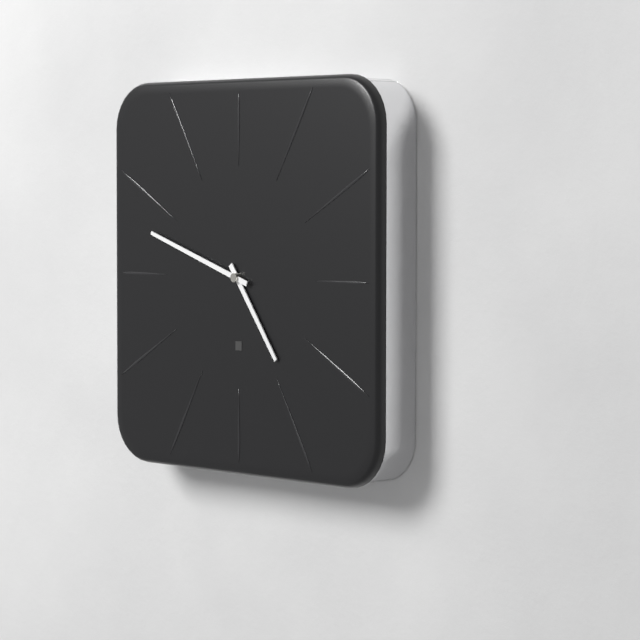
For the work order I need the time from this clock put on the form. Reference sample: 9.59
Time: 4.48
